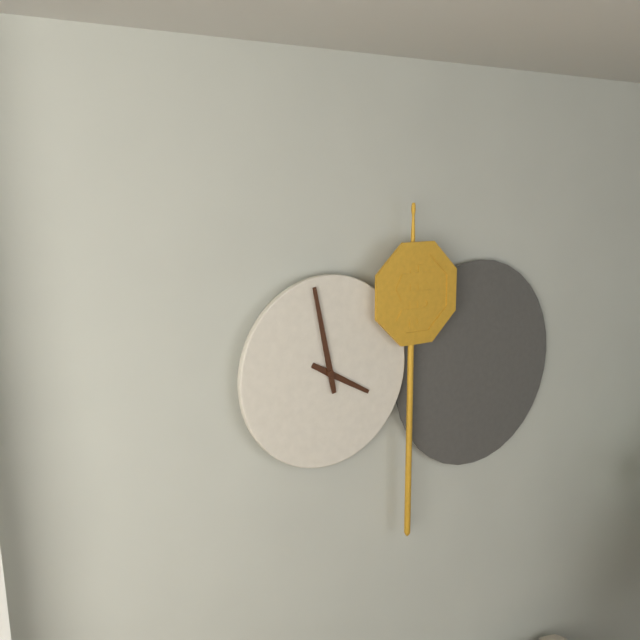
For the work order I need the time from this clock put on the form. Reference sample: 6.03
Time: 3.58
